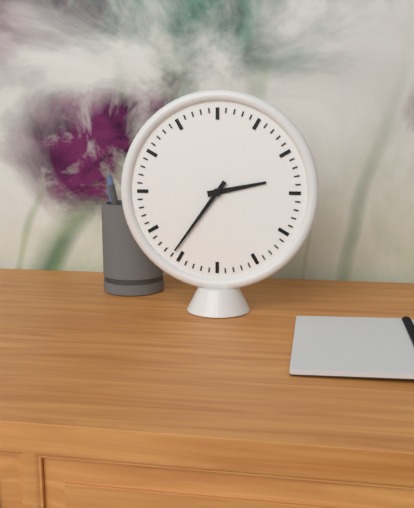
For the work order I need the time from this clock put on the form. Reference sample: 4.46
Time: 2.36
